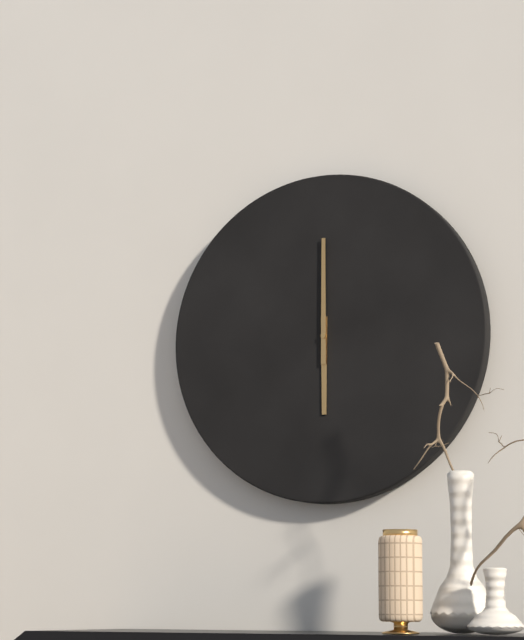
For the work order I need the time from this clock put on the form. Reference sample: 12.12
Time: 6.00
